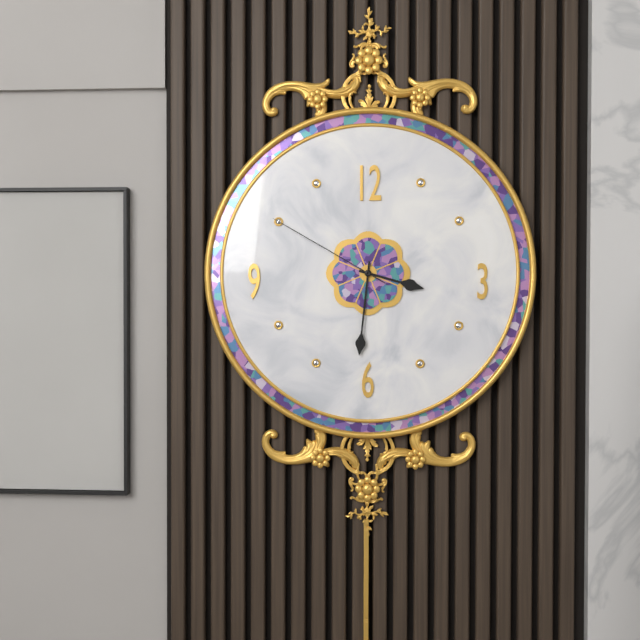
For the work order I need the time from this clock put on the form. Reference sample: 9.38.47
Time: 3.31.50
